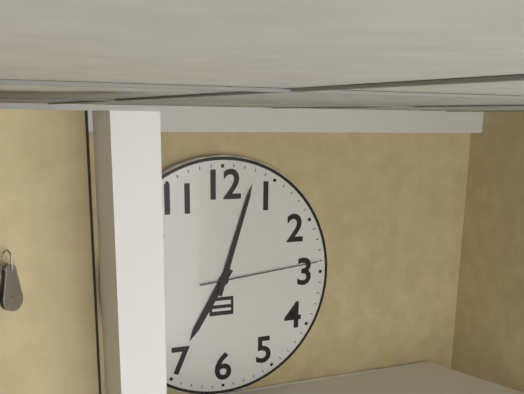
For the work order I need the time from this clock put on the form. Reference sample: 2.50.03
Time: 7.03.14
